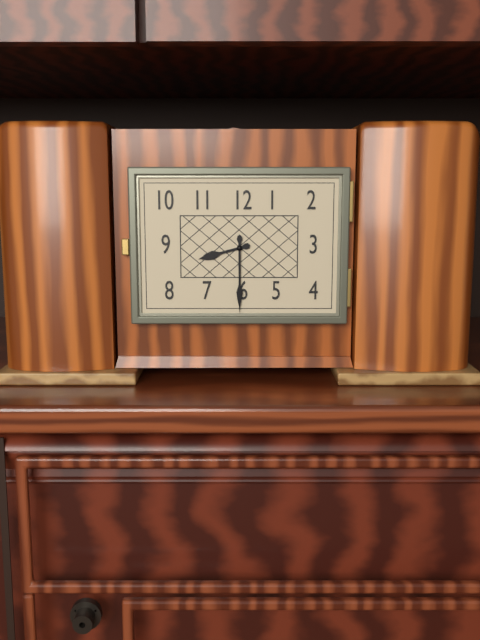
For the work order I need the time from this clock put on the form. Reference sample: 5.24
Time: 8.30
